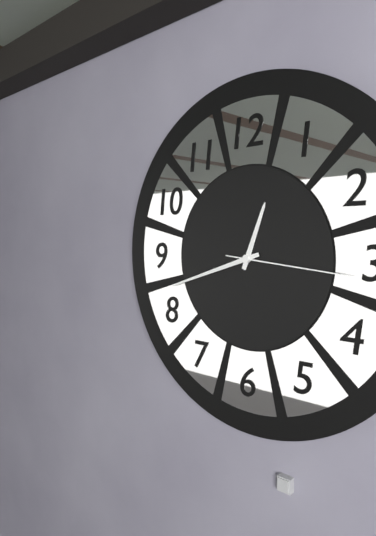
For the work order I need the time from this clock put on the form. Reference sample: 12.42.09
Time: 12.42.16
